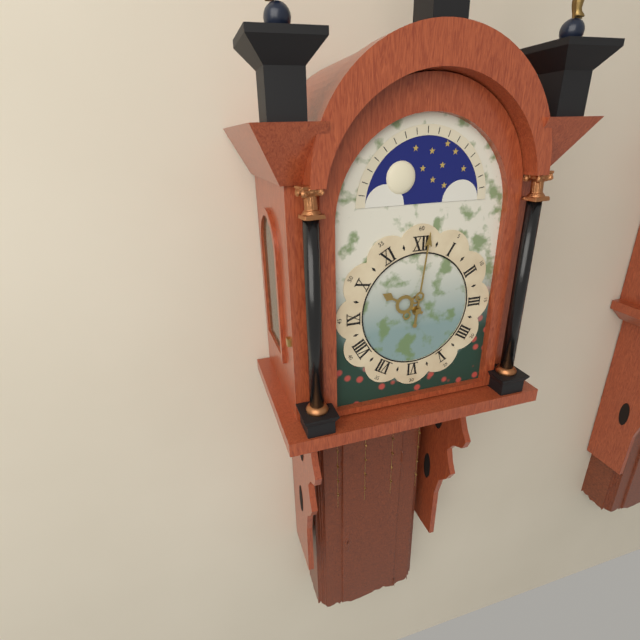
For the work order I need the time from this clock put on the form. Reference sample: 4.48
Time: 10.01
